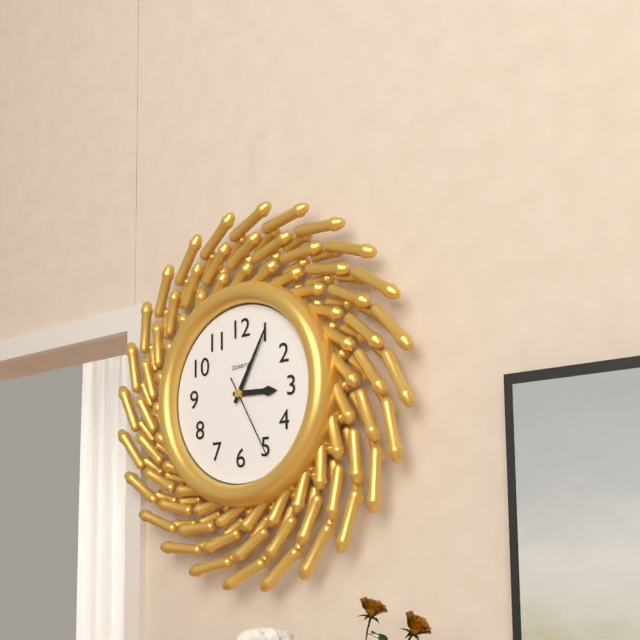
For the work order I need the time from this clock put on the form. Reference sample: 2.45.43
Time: 3.05.25
